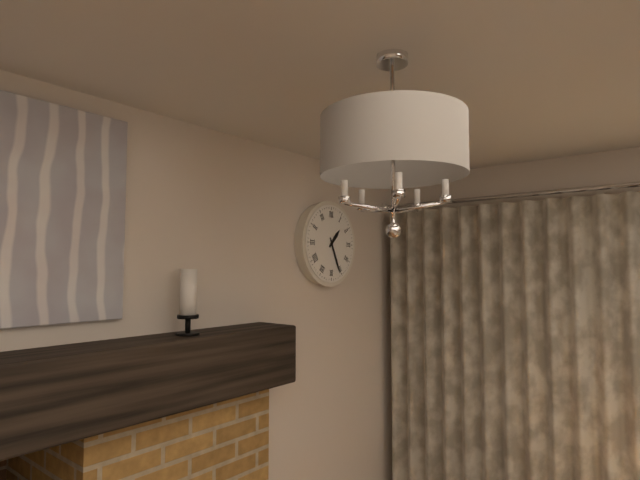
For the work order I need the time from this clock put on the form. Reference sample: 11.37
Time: 1.26
